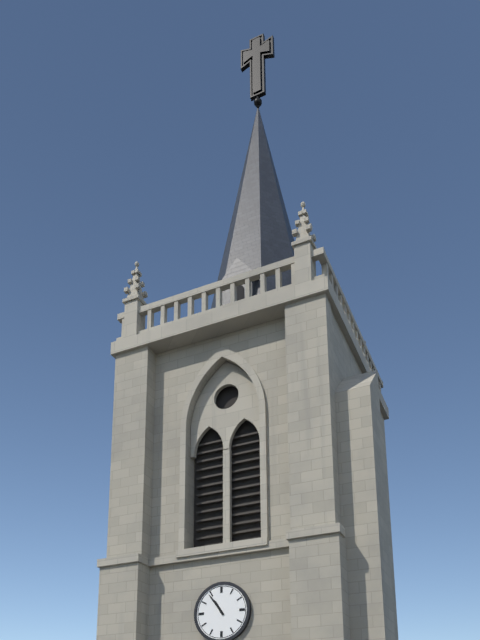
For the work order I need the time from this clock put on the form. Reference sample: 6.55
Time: 10.54
